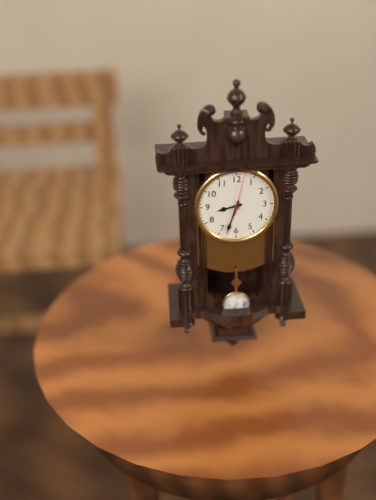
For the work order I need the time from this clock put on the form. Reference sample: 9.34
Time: 8.33
